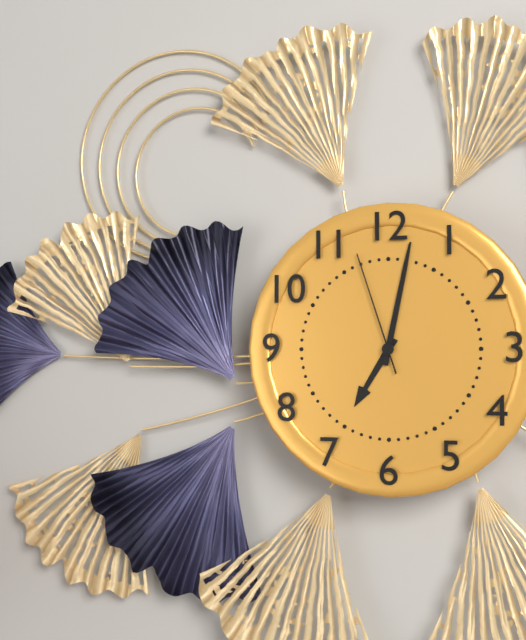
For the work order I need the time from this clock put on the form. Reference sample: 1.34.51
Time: 7.02.57
